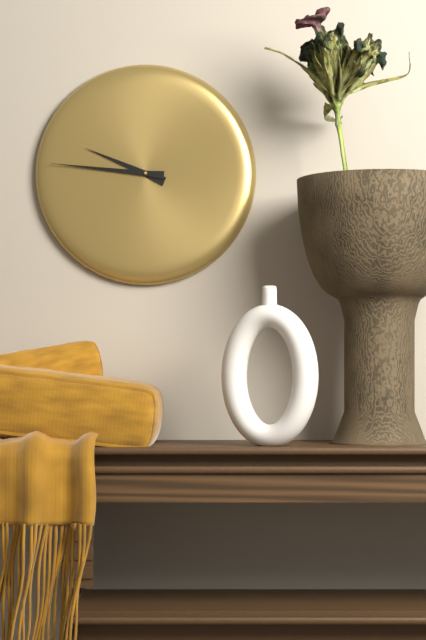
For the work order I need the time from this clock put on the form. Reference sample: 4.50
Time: 9.46
